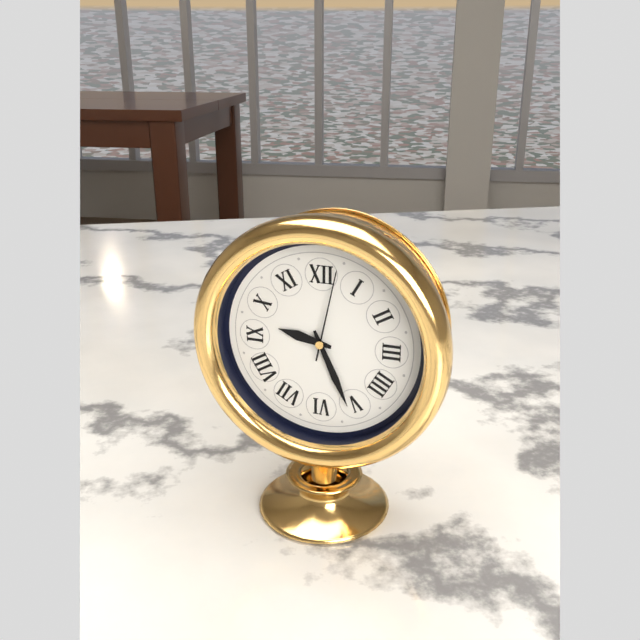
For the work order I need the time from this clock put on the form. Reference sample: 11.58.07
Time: 9.26.02
